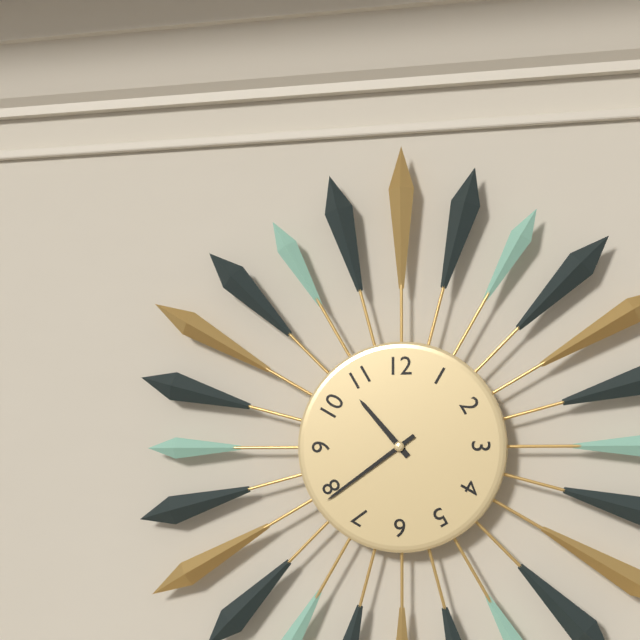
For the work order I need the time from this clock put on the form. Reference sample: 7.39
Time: 10.39
